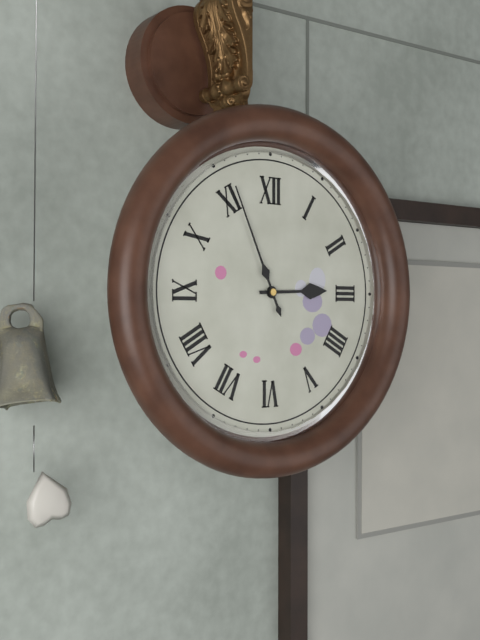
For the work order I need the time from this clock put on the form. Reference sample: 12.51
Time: 2.56
